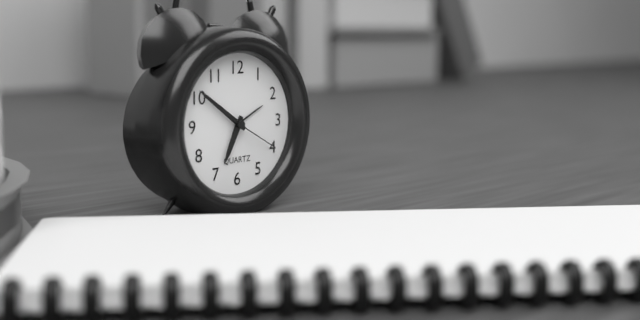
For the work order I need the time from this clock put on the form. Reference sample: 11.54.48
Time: 6.51.20
